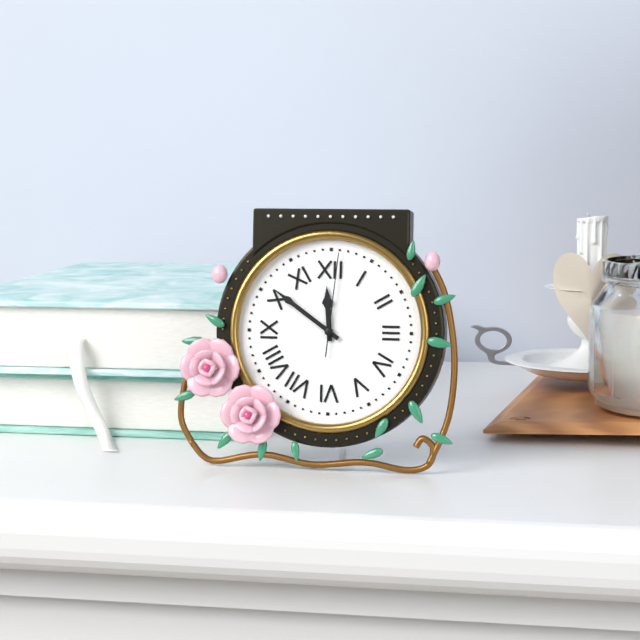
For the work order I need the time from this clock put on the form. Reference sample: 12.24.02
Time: 11.51.01
